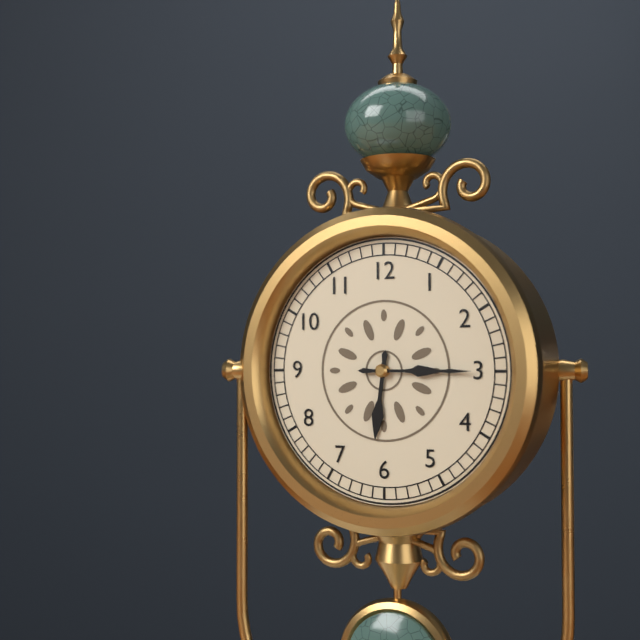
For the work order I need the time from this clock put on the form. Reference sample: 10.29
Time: 6.15
